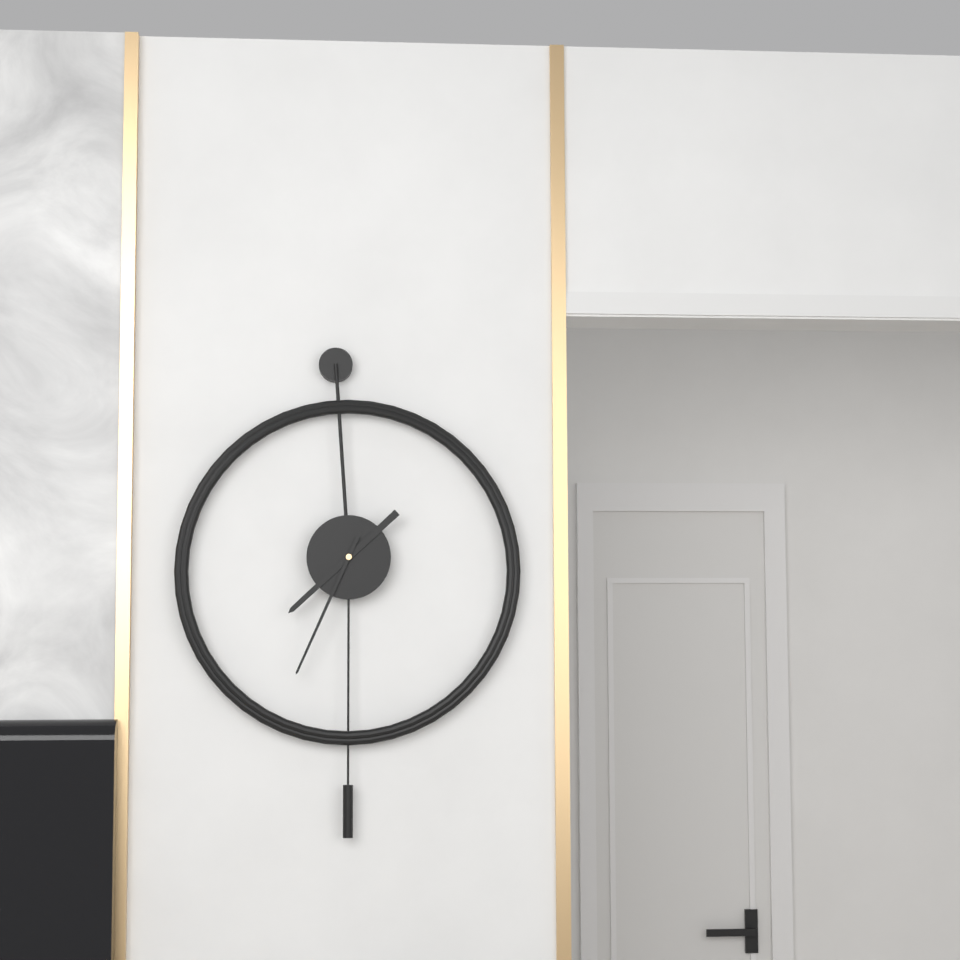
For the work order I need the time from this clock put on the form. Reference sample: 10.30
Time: 7.34
